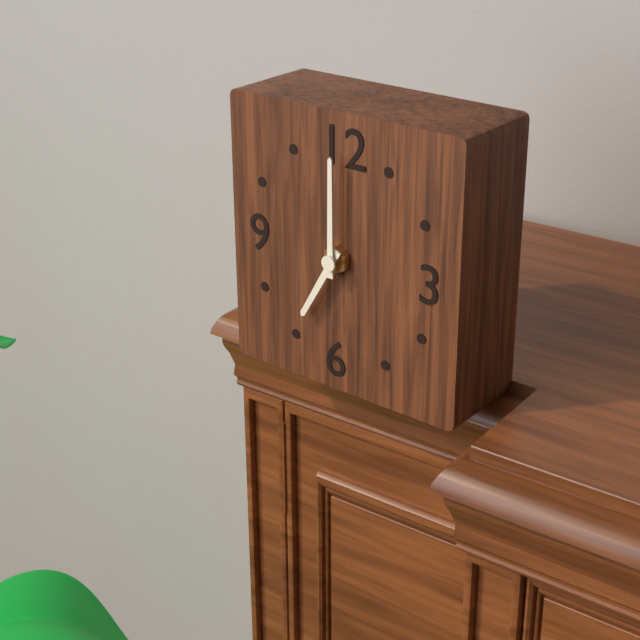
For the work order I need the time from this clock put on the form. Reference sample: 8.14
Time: 7.00
